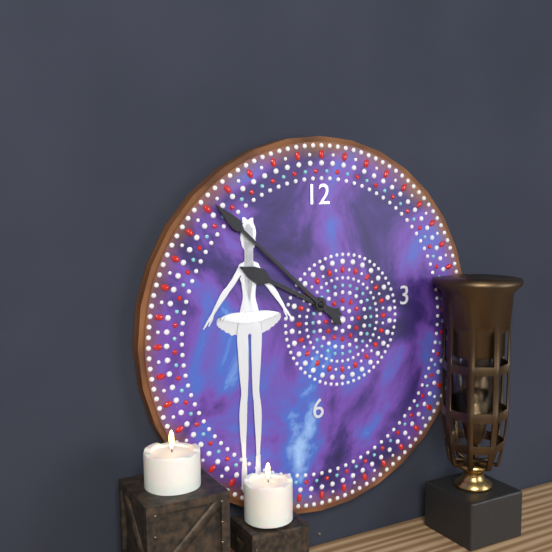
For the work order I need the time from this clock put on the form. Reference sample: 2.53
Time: 9.52
